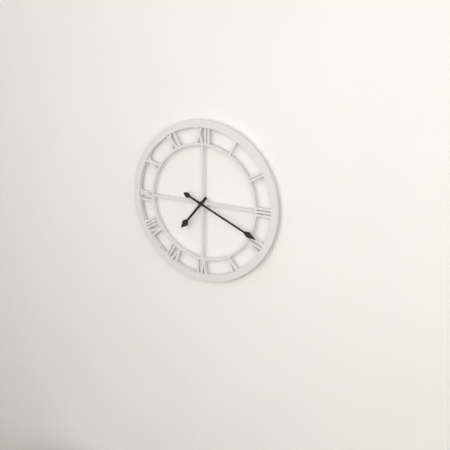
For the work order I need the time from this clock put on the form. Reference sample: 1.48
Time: 7.19
